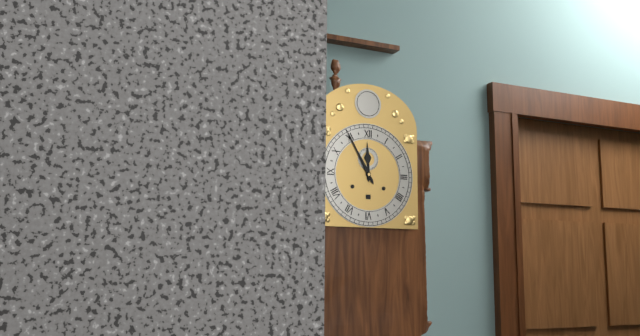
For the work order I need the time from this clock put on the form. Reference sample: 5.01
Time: 11.55
